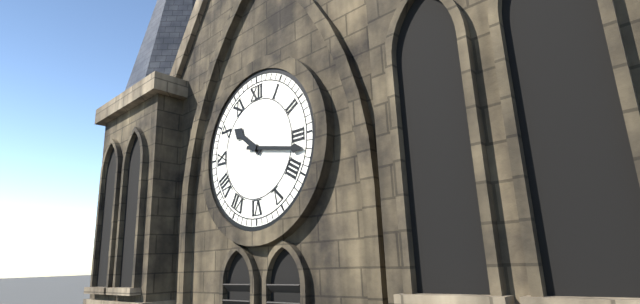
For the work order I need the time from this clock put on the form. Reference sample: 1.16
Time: 10.17
